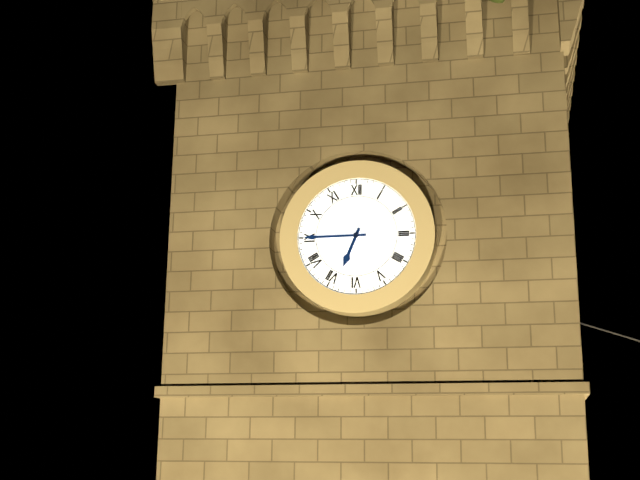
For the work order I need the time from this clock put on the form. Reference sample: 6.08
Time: 6.45
